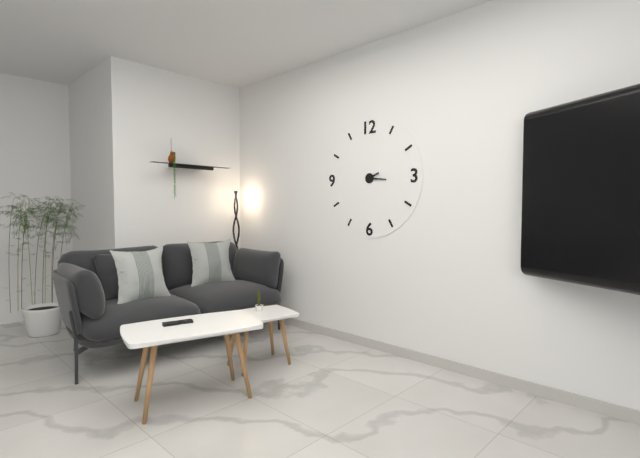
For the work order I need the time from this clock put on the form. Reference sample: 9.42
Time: 2.16
